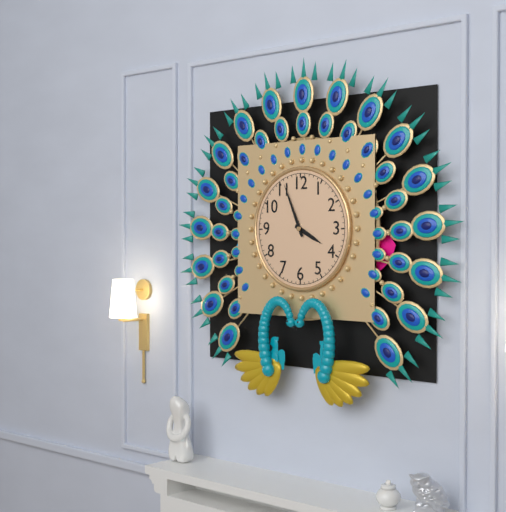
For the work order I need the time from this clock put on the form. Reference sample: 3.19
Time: 3.56
